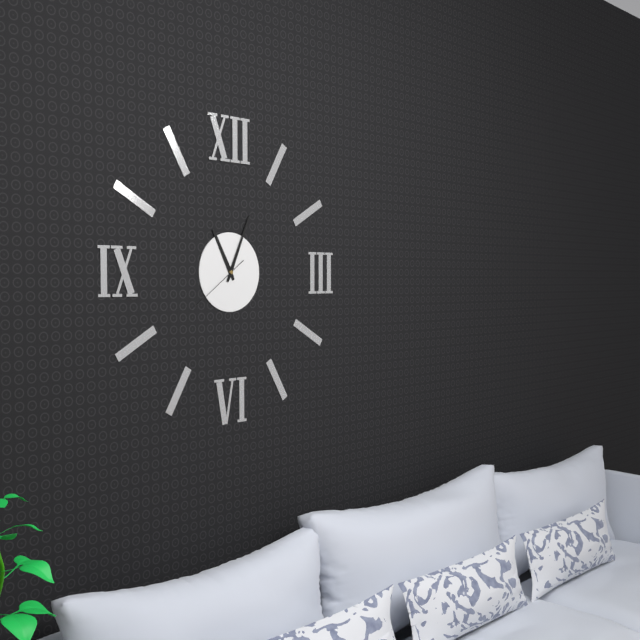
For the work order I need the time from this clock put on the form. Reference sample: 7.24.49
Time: 11.04.39
